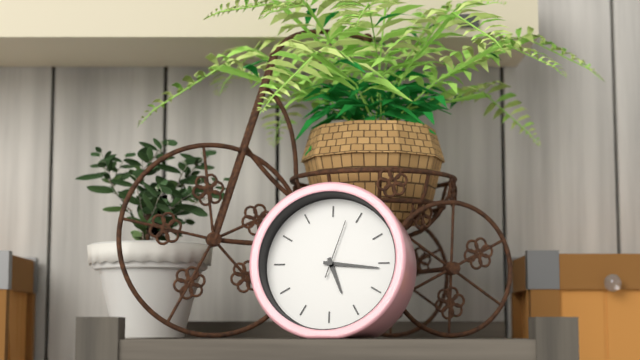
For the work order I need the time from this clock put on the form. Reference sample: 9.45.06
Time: 5.16.03
